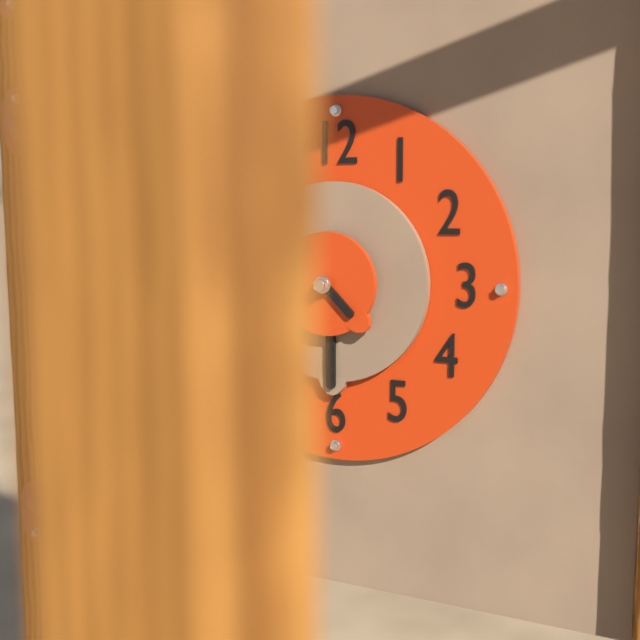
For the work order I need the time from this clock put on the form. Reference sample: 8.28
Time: 4.30
